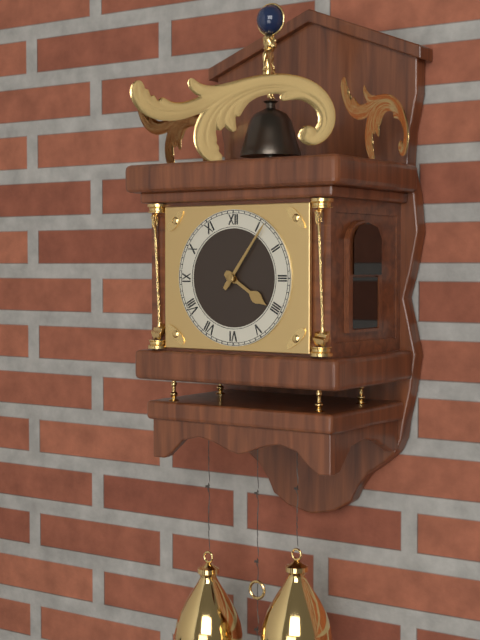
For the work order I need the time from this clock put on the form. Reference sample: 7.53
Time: 4.06
